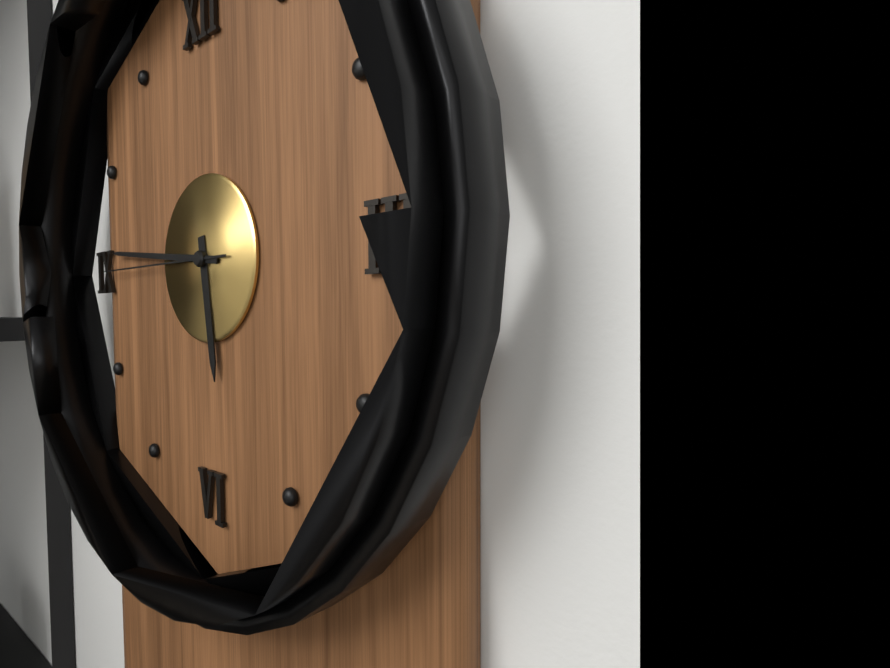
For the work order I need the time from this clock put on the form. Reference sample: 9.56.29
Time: 5.46.45
